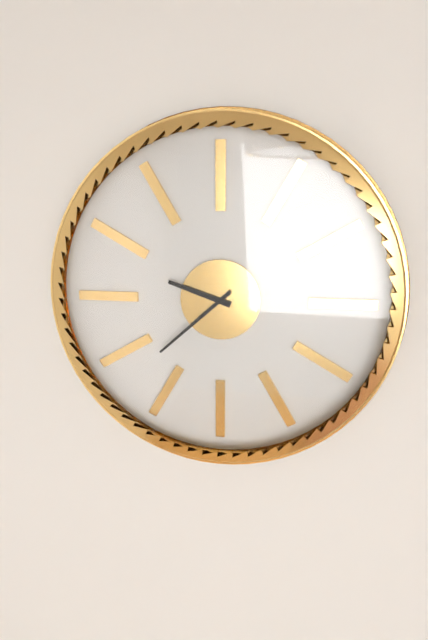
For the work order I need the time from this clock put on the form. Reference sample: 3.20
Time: 9.38
